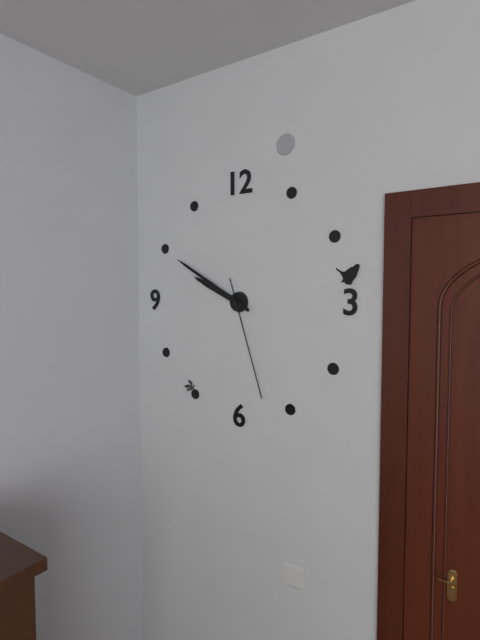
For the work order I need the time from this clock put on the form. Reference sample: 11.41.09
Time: 9.50.27
